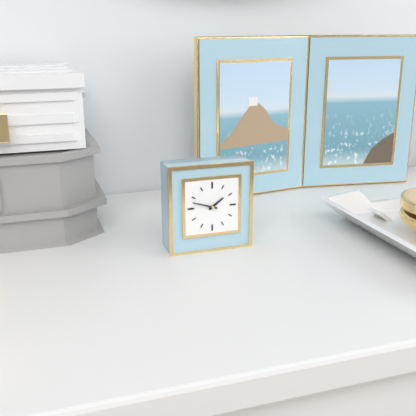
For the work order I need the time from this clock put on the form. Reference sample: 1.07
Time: 1.48
